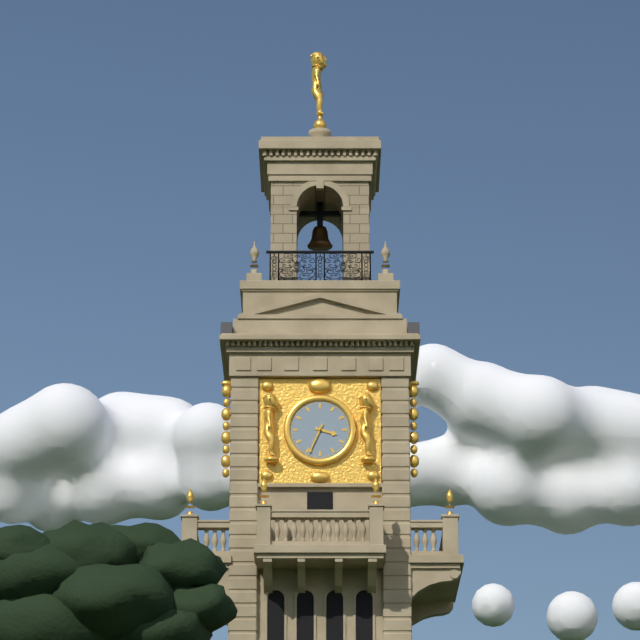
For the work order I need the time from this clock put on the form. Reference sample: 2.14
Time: 3.34
